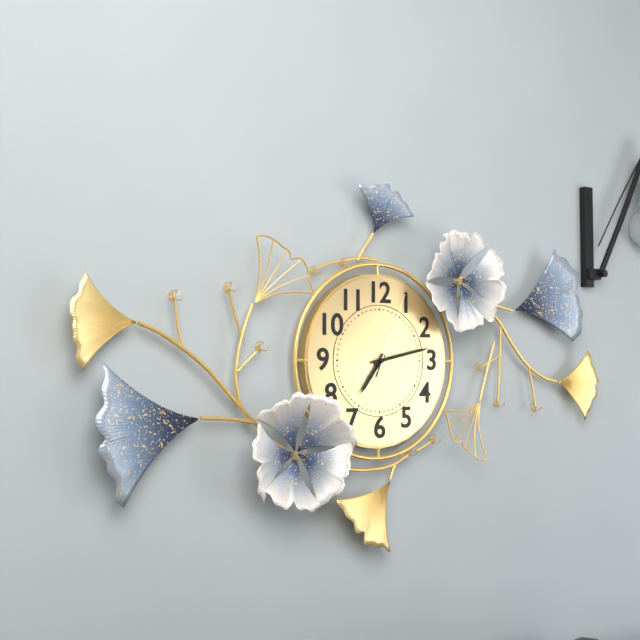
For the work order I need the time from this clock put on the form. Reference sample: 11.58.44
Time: 7.13.04
